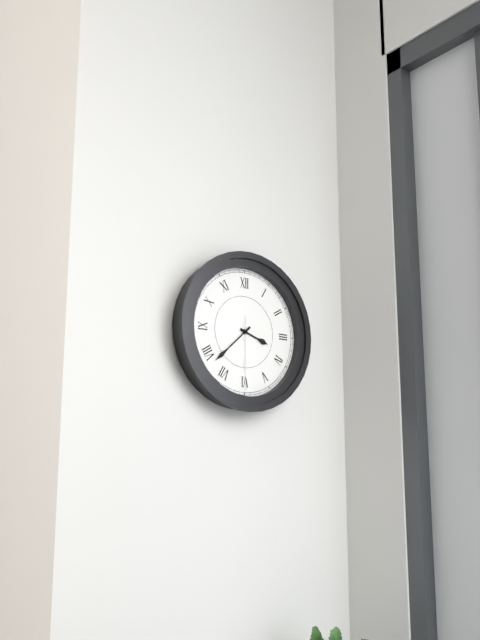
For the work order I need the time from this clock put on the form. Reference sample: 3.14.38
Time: 3.38.30
